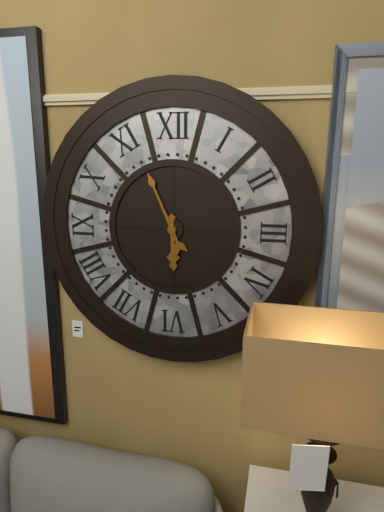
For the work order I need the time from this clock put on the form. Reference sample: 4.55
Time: 5.56
